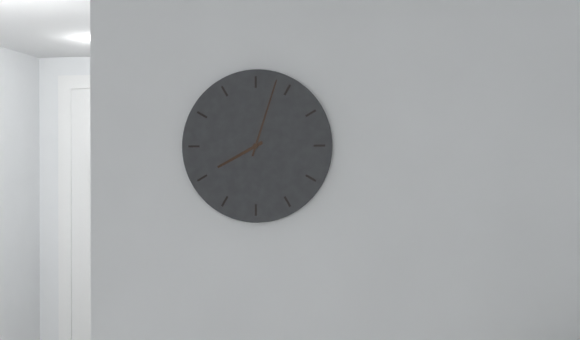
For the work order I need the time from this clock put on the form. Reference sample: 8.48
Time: 8.03
